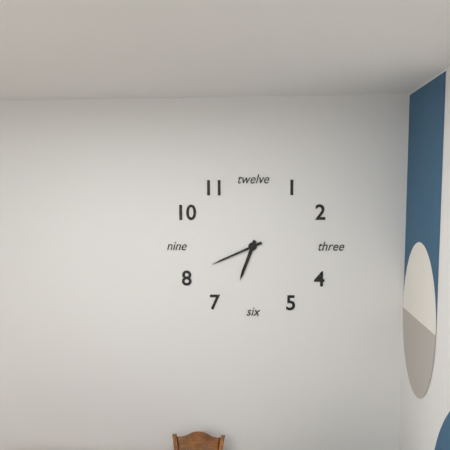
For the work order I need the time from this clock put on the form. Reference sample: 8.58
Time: 6.41
